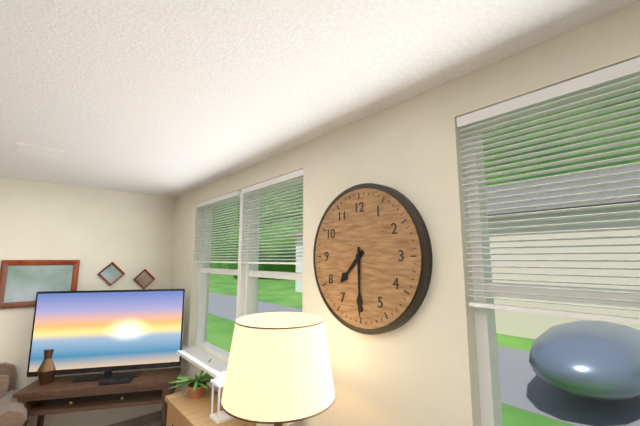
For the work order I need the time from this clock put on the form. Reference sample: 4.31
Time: 7.30
